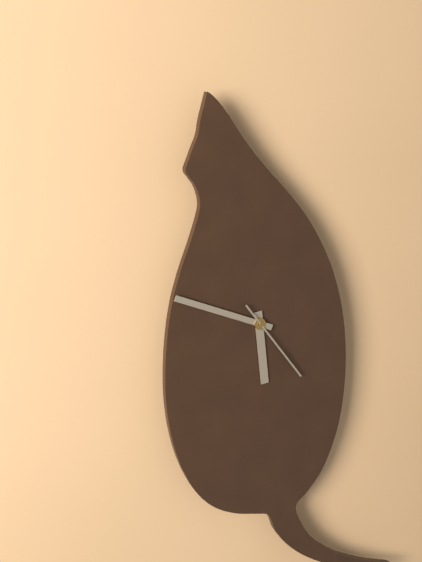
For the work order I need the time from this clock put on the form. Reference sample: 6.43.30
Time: 5.49.24
